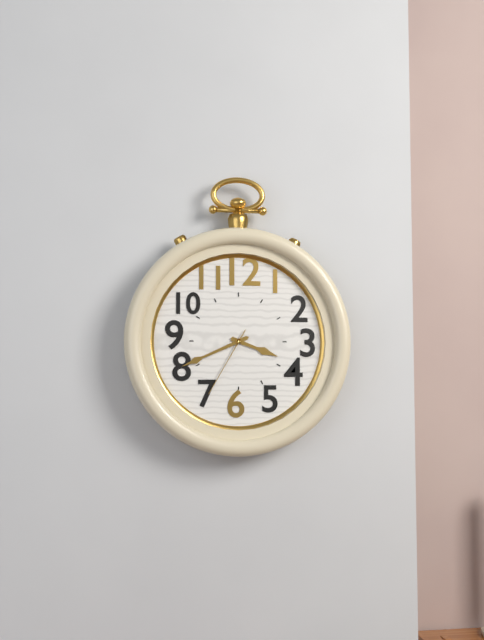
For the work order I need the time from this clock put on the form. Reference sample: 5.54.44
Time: 3.41.35
